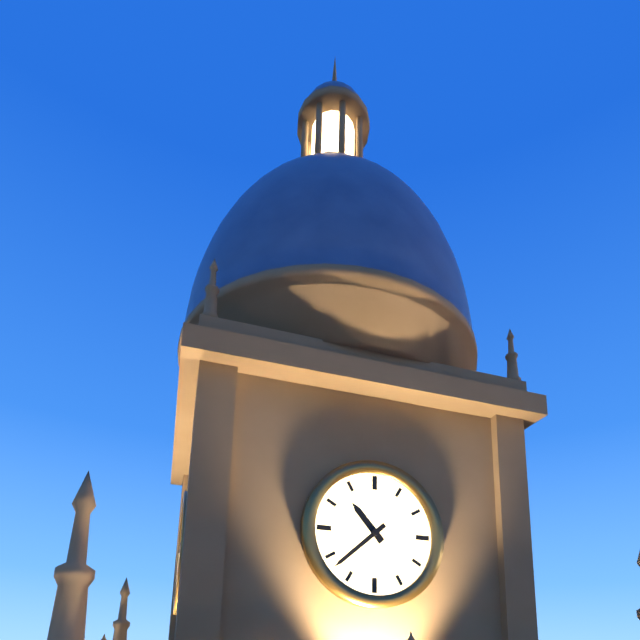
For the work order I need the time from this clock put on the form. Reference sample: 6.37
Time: 10.38
